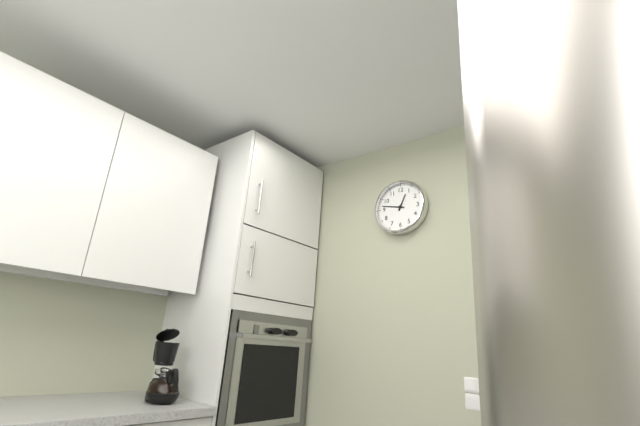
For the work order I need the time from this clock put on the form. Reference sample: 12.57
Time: 12.47
